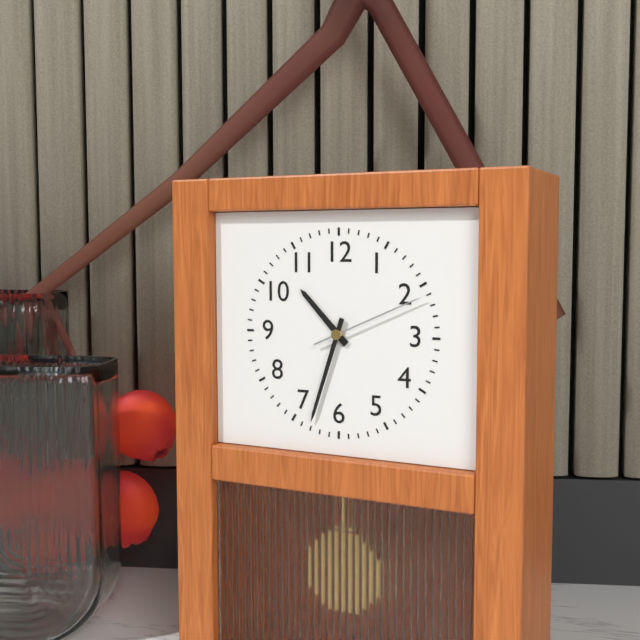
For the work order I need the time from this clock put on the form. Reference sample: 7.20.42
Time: 10.33.11
